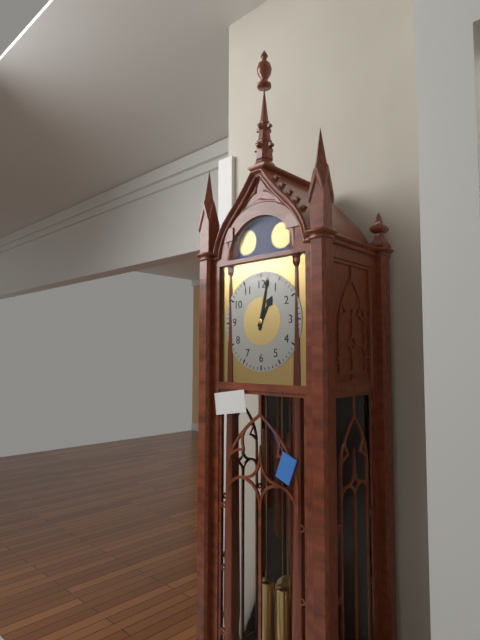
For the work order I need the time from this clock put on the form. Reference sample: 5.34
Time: 1.02
